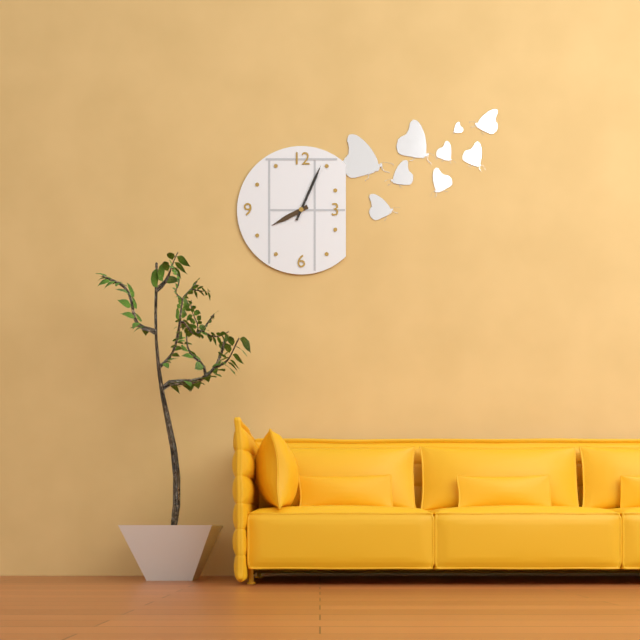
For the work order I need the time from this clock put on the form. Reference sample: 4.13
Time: 8.04
